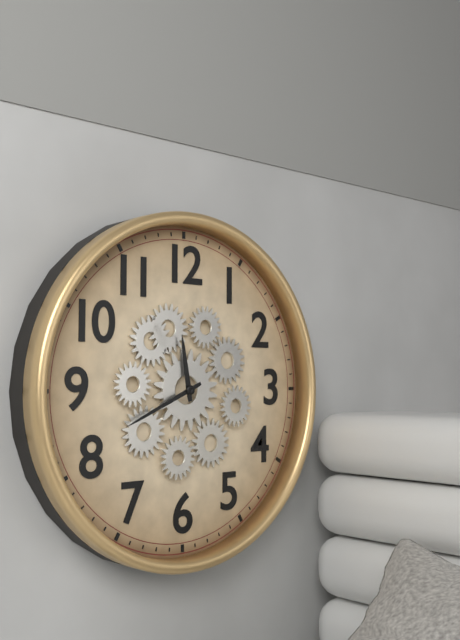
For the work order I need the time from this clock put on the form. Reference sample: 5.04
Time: 11.41
